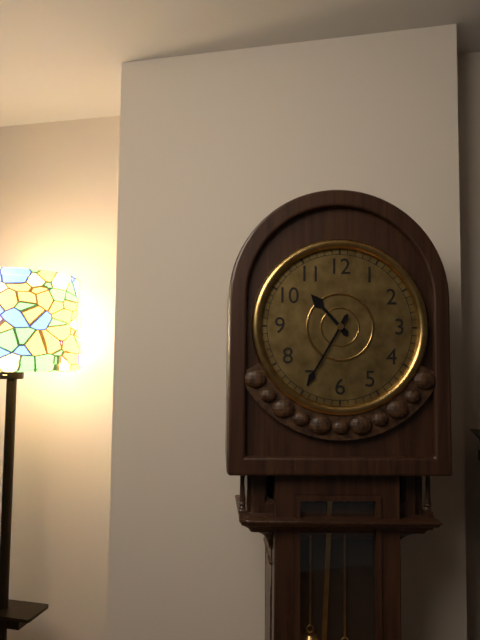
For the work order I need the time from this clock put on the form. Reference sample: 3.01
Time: 10.35
